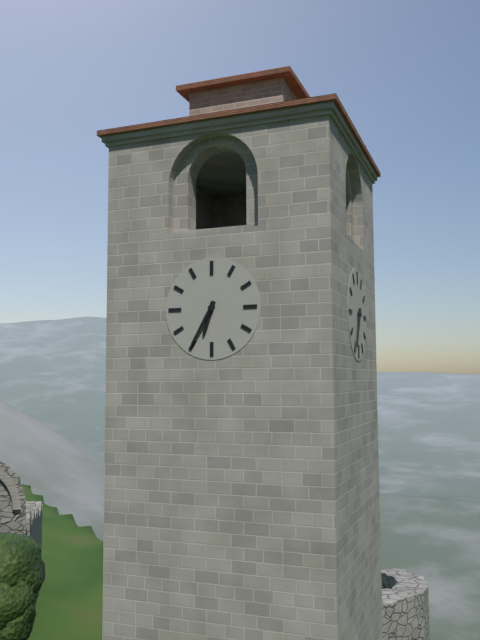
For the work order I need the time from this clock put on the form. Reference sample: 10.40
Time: 6.35
